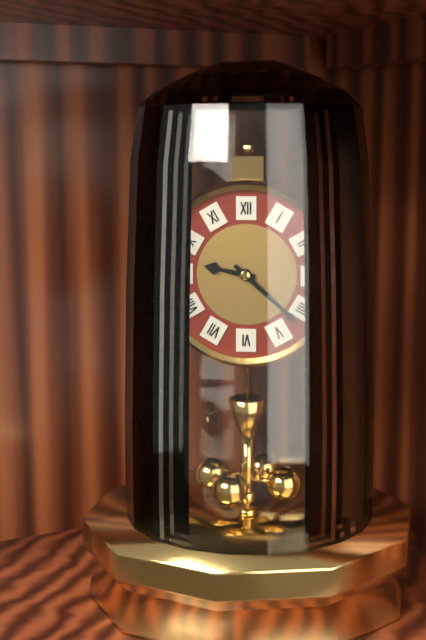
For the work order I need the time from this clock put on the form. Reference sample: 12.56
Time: 9.22
